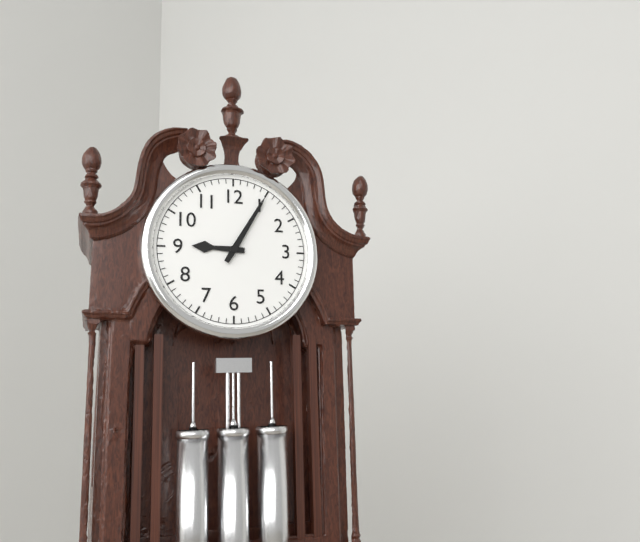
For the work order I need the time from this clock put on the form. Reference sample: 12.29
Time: 9.05
